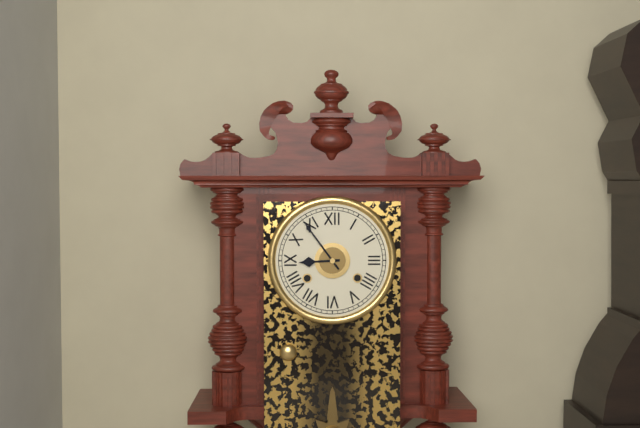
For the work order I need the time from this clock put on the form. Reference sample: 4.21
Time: 8.54
